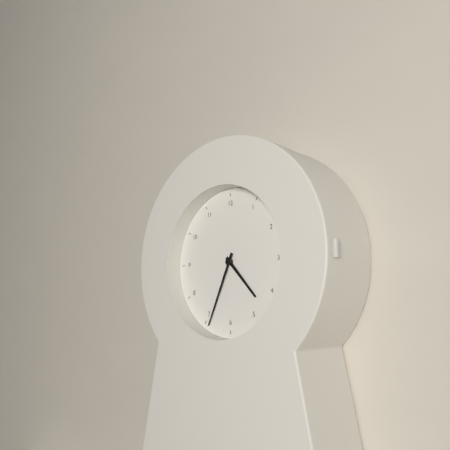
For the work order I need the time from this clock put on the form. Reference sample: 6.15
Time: 4.34
